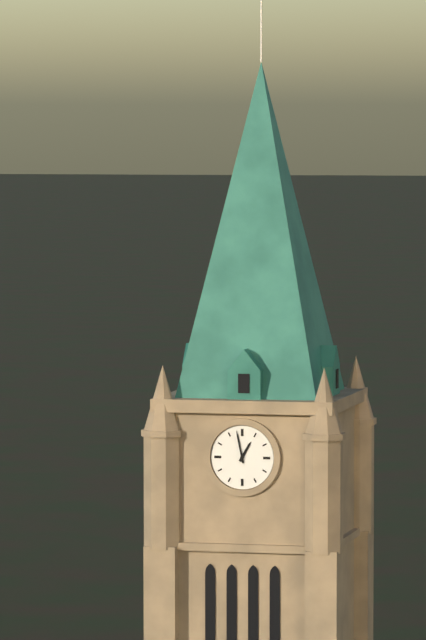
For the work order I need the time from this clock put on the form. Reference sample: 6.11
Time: 12.58
